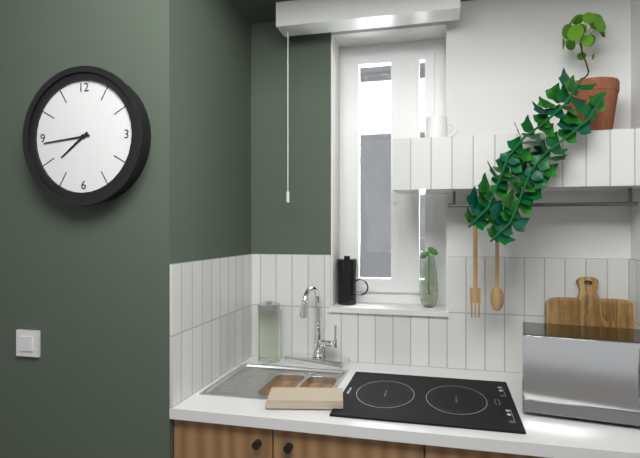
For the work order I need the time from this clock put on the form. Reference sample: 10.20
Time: 7.44
